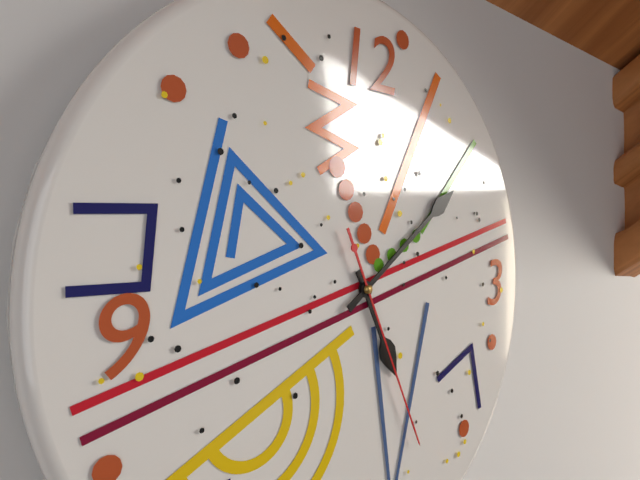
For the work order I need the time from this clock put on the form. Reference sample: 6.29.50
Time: 5.09.26
